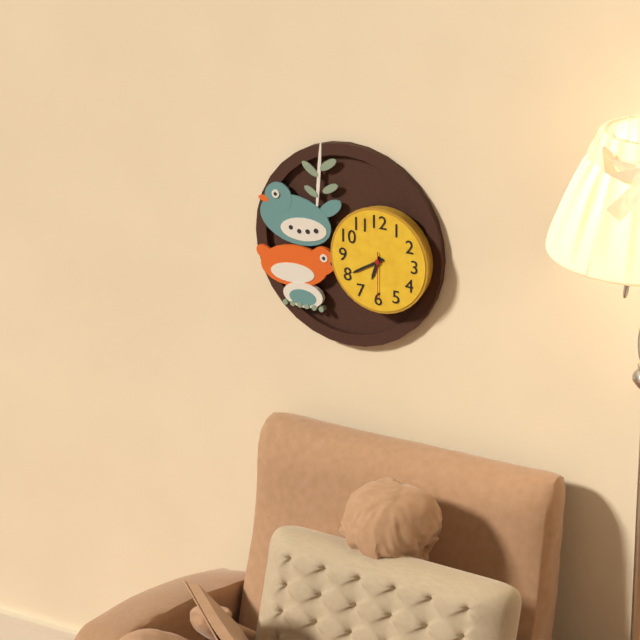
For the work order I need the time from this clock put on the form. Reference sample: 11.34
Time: 6.40
